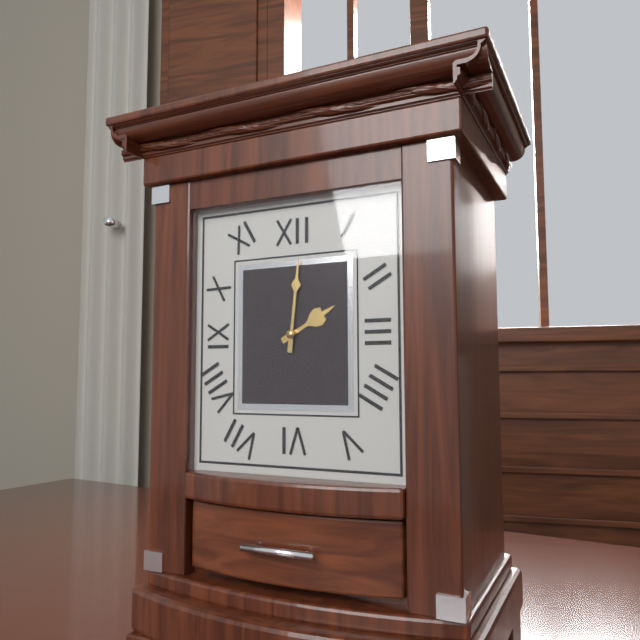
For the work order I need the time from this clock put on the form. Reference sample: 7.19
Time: 2.01
